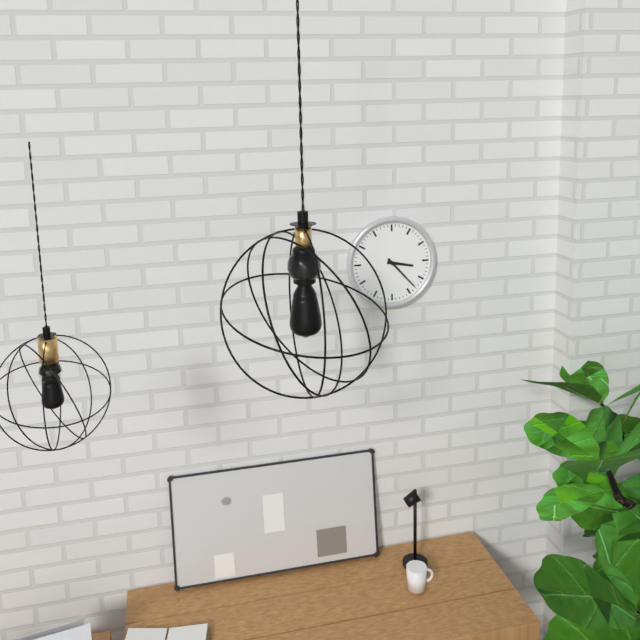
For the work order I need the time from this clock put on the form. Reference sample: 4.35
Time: 3.23
